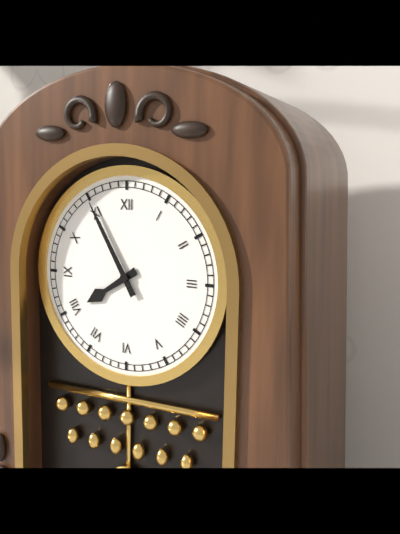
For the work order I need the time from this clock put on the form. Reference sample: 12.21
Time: 7.55
